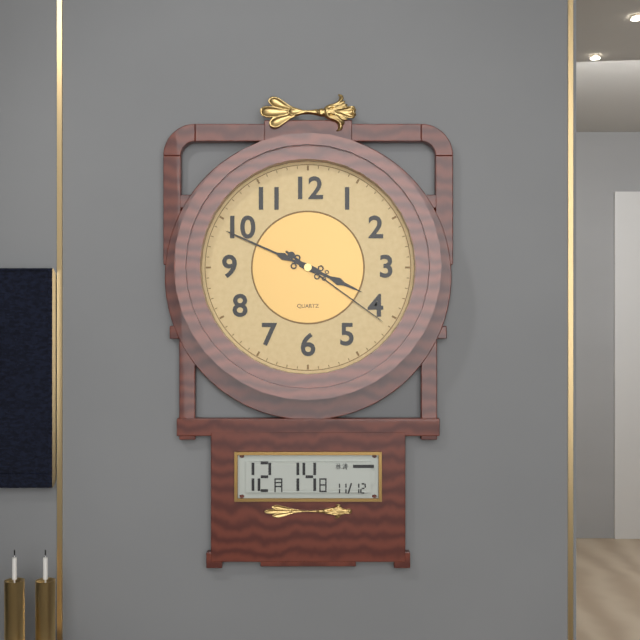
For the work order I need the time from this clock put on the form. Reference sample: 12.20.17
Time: 3.49.21
